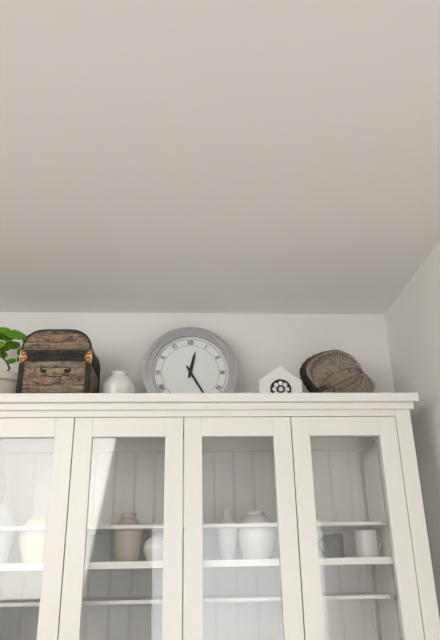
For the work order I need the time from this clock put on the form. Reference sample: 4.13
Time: 12.25
